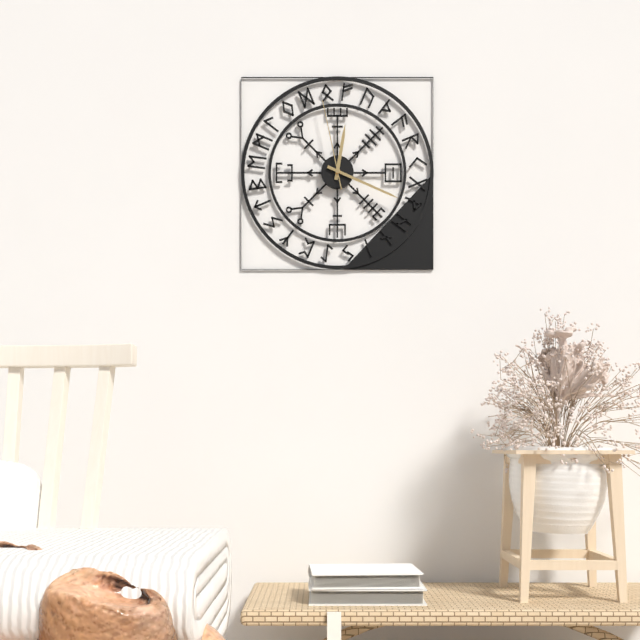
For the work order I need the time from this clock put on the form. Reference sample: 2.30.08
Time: 12.19.58
